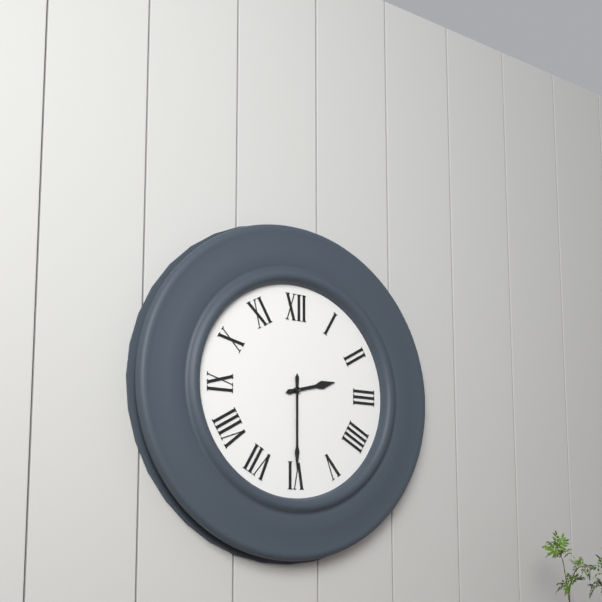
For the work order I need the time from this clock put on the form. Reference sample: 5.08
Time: 2.30
